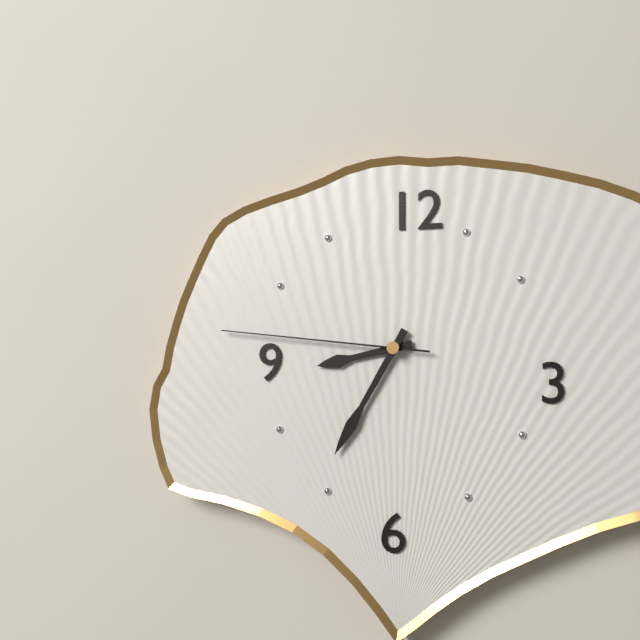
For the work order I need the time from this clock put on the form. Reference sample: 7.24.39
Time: 8.35.46
